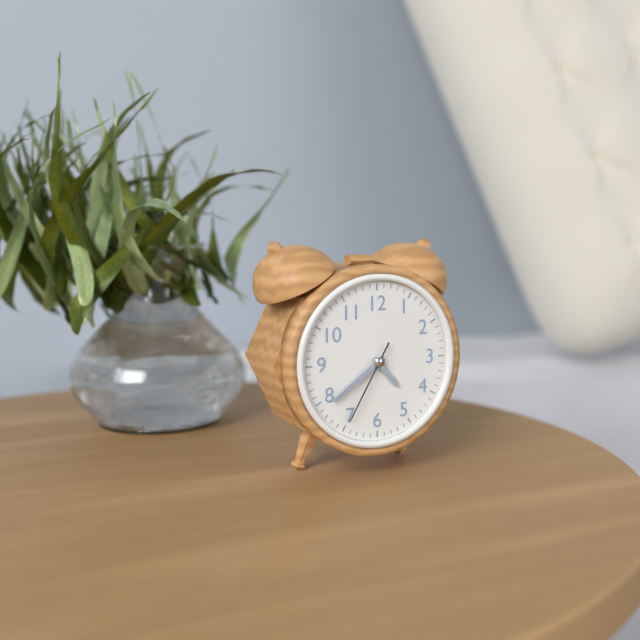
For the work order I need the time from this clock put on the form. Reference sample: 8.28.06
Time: 4.39.35
